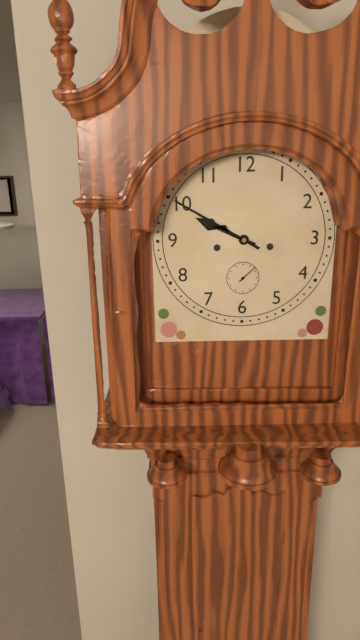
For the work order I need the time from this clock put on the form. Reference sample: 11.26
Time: 9.50
